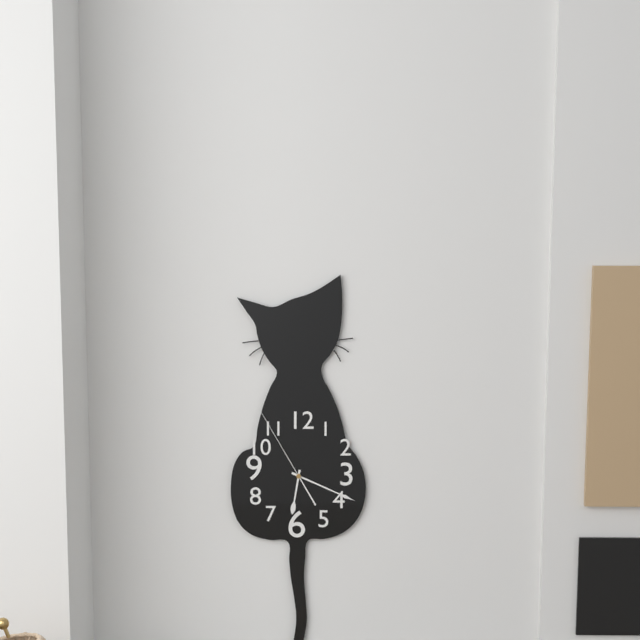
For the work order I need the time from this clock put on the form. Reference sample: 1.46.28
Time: 6.19.55
